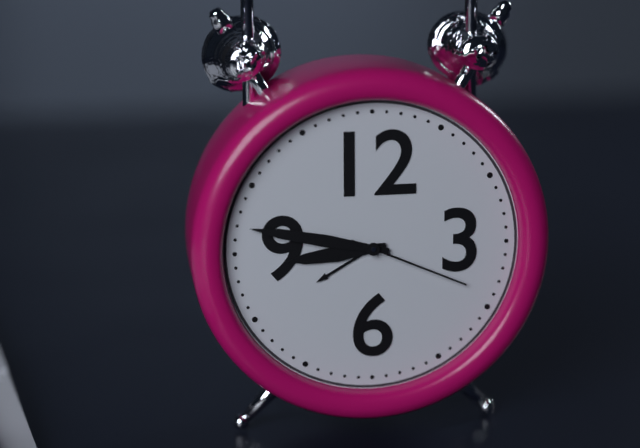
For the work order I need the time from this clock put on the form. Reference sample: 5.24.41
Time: 8.47.19
